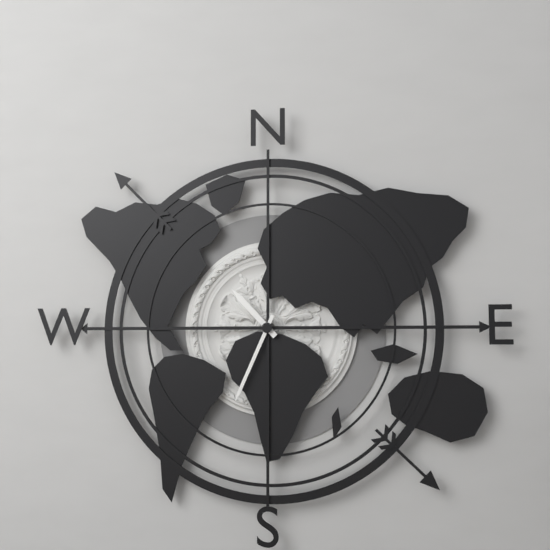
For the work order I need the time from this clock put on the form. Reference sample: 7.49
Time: 10.34
